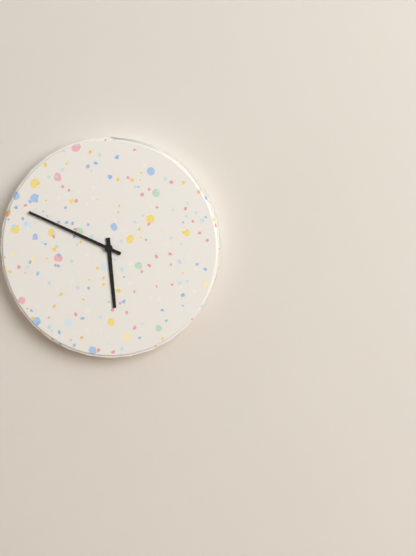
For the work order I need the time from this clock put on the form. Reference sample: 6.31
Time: 5.49
